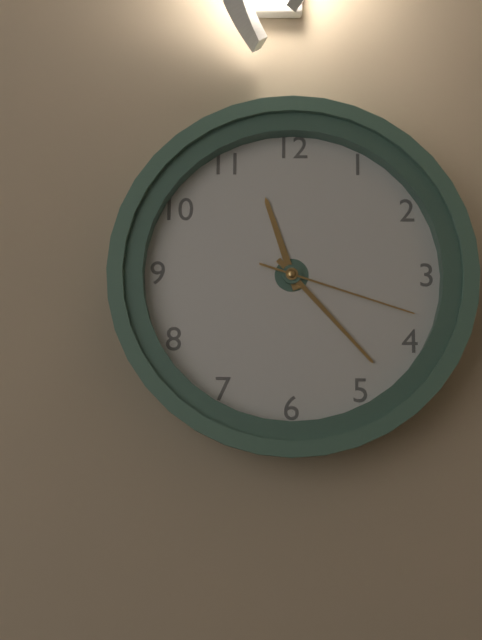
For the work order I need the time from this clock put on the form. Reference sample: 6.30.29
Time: 11.23.18
